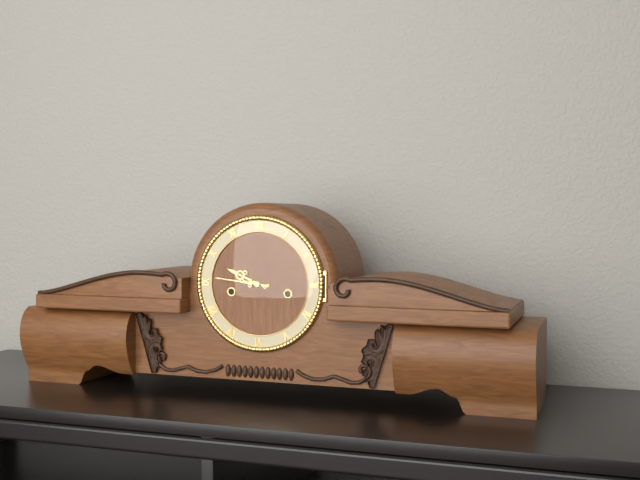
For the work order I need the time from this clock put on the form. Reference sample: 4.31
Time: 9.46
